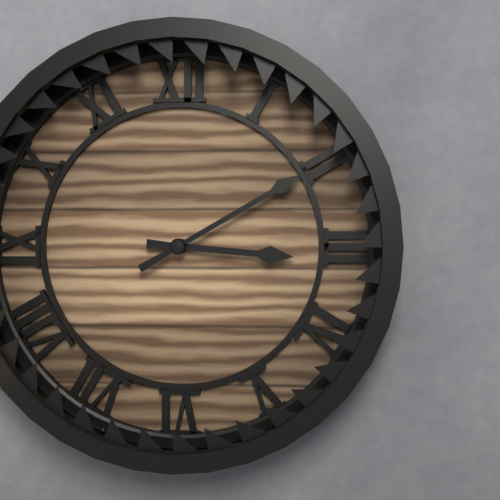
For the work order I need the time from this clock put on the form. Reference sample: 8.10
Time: 3.10
